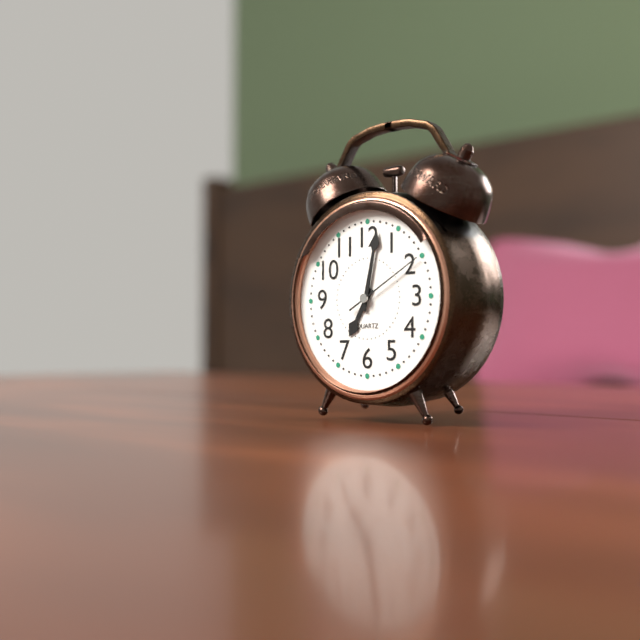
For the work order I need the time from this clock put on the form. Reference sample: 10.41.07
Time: 7.02.10
